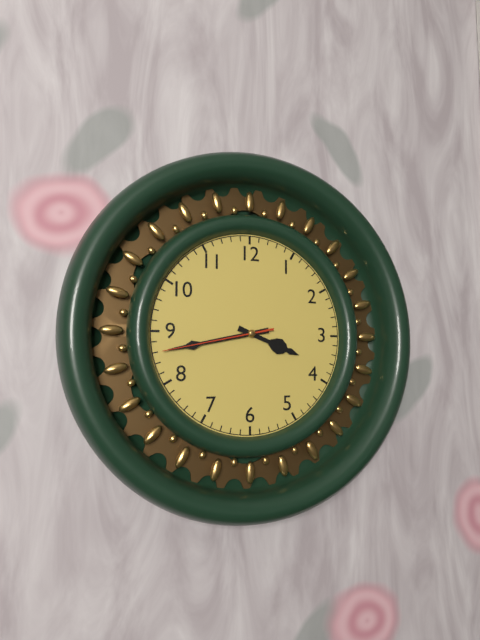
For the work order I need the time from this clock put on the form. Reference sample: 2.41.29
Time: 3.43.43
